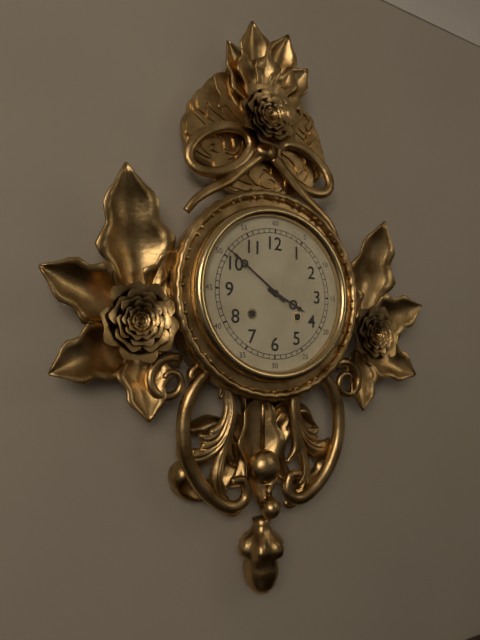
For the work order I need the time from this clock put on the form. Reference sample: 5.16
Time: 3.51
